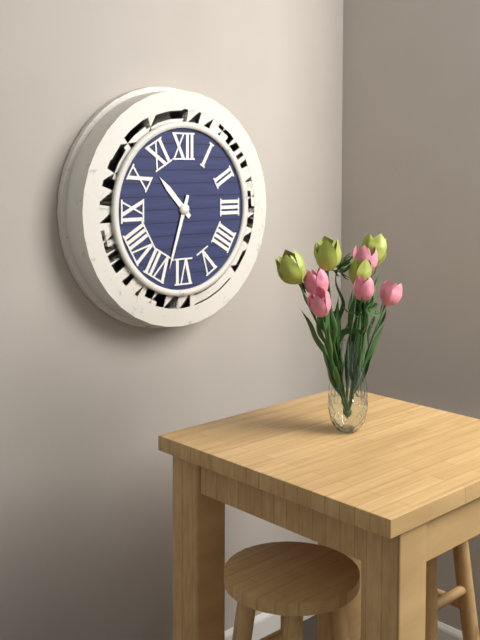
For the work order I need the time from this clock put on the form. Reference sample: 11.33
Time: 10.33
